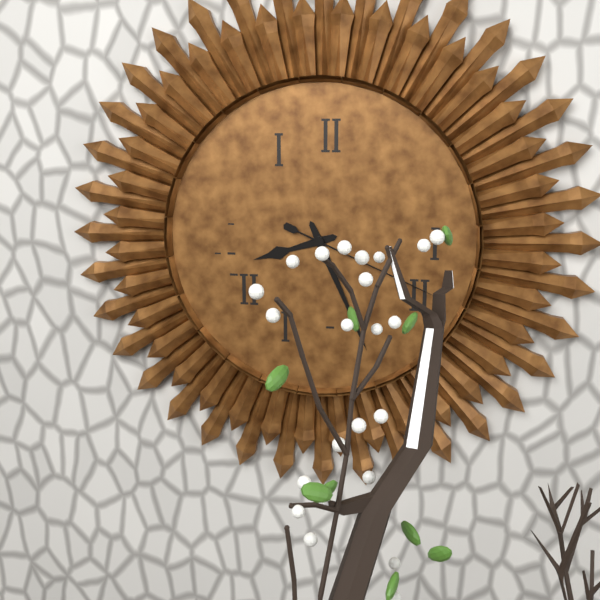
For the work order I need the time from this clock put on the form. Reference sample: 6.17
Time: 8.26
